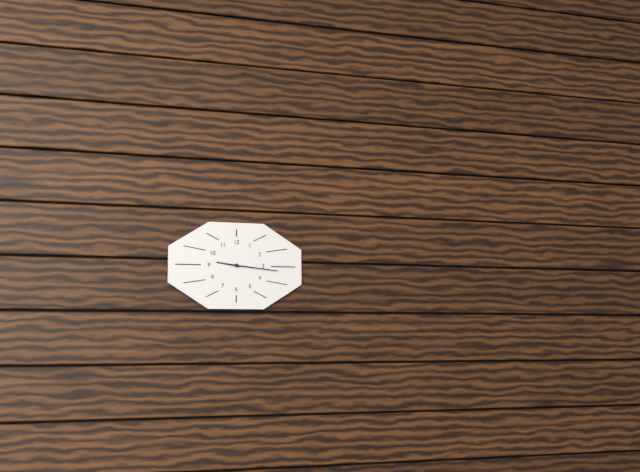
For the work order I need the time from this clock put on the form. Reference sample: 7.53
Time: 9.16
